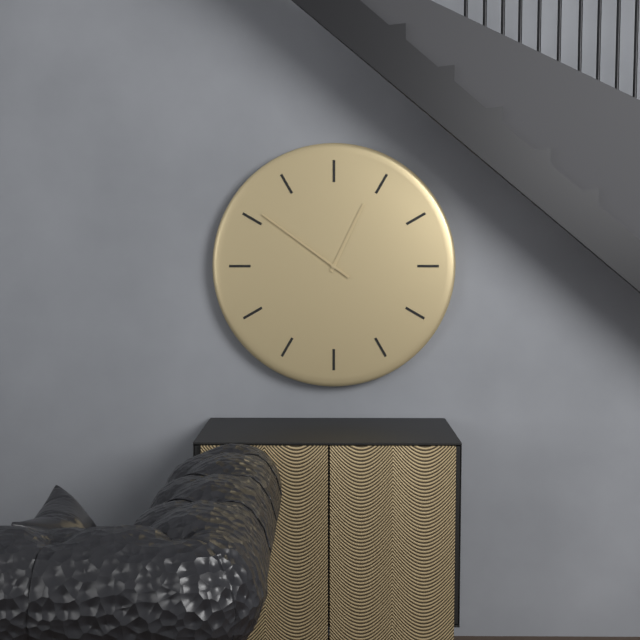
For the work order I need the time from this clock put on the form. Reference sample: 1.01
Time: 12.51
